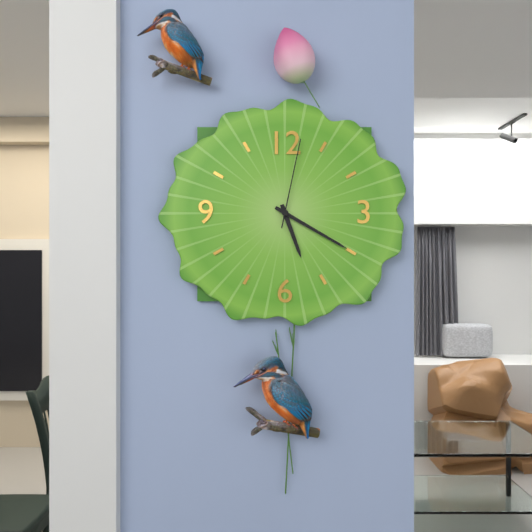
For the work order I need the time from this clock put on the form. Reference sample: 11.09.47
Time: 5.20.02
